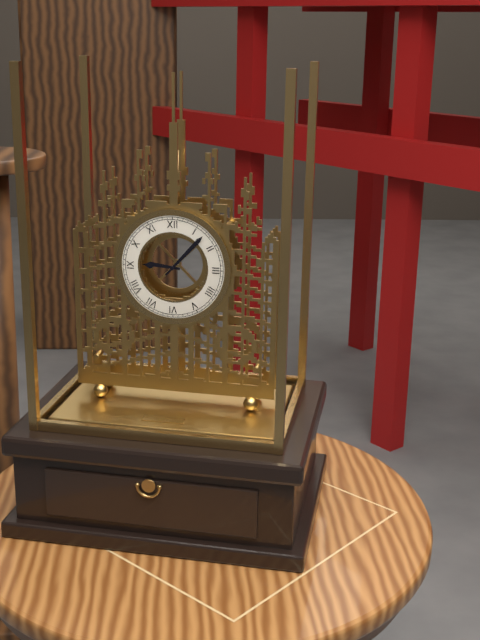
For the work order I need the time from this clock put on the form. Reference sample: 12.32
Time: 9.07
